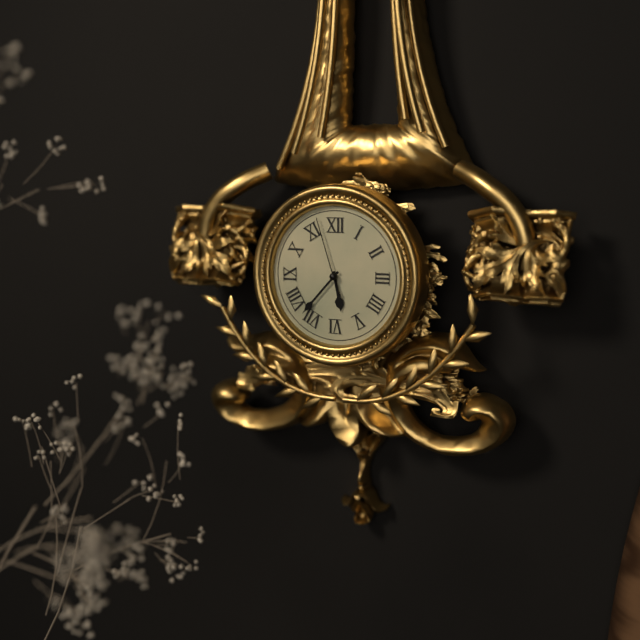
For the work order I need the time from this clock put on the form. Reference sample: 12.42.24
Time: 5.37.57
